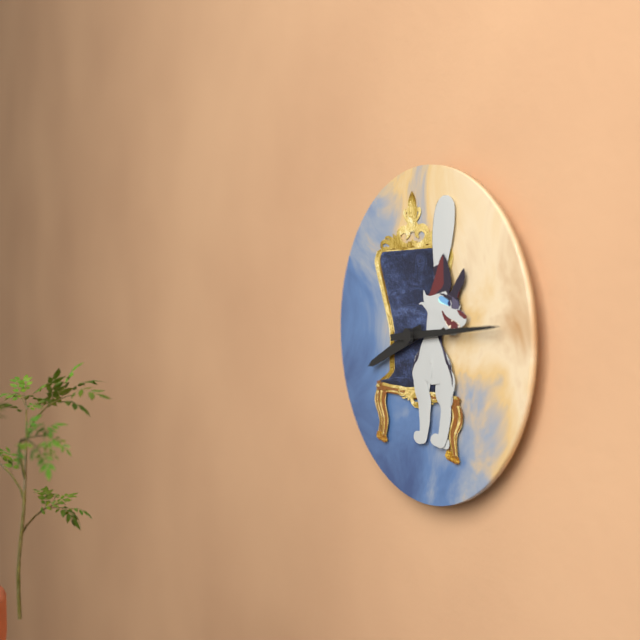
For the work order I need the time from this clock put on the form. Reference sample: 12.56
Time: 8.14
